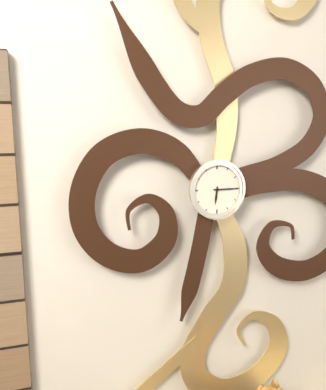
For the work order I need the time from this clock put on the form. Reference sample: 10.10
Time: 6.15
